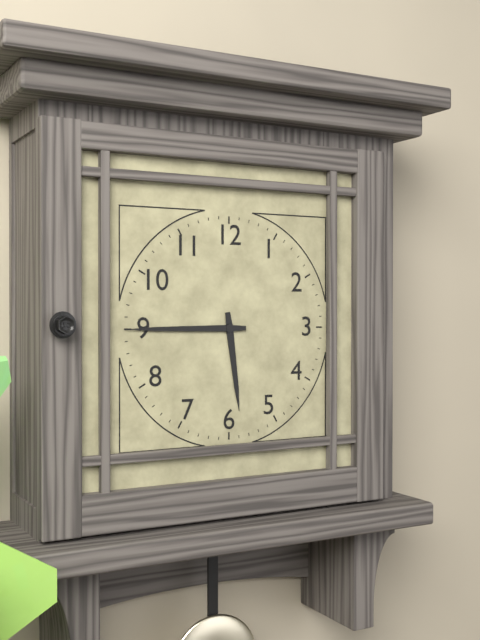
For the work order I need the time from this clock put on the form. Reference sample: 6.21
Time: 5.45
